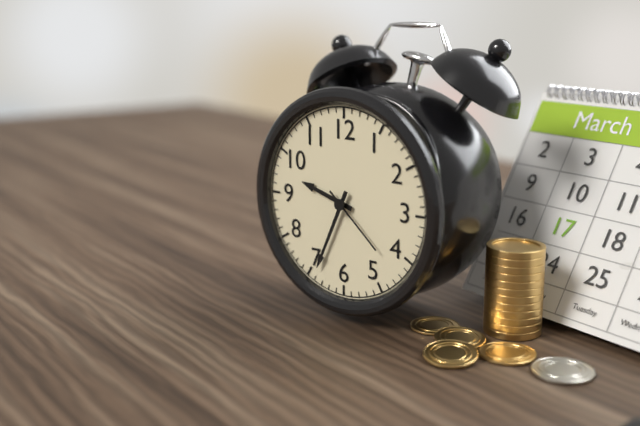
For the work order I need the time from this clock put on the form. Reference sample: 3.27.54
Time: 9.34.22
